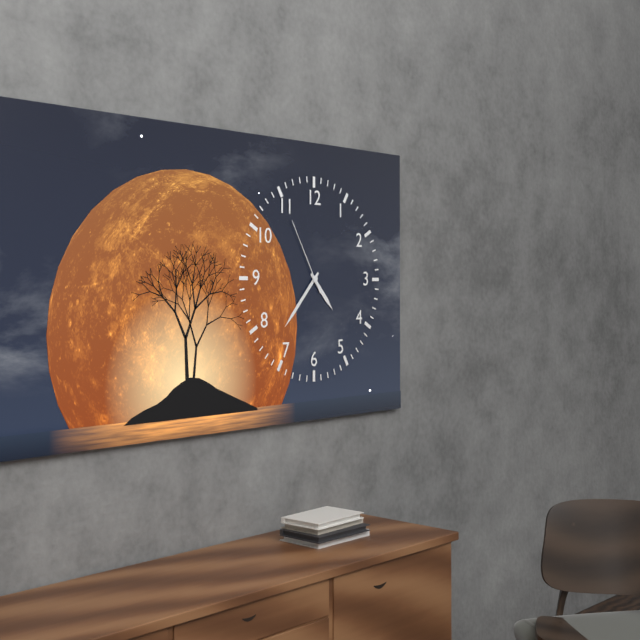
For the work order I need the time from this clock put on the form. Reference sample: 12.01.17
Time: 4.37.55
